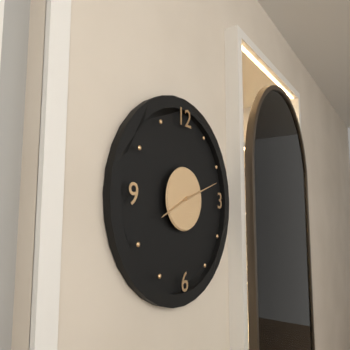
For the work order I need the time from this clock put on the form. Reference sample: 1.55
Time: 8.12
